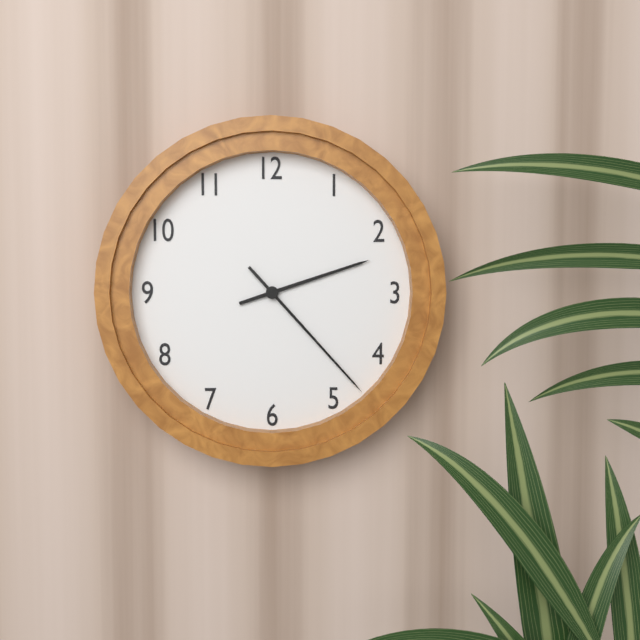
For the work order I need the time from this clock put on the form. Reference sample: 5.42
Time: 2.23
